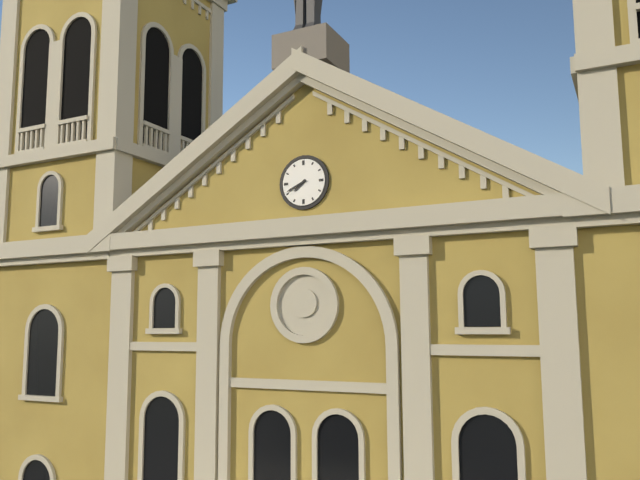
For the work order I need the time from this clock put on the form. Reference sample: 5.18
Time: 7.41
